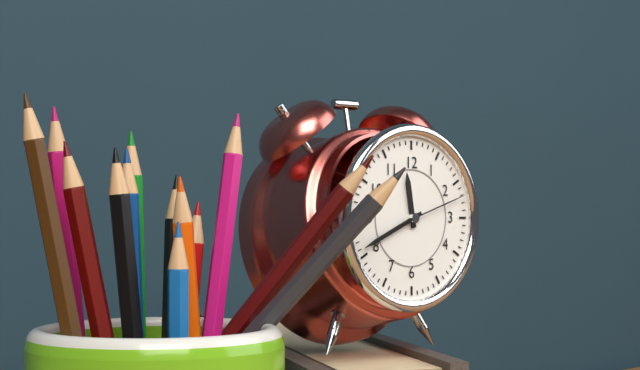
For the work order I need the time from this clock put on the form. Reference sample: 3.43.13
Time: 11.41.12
